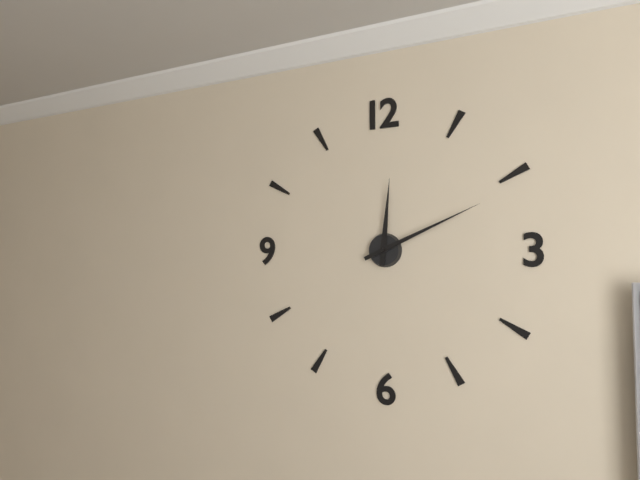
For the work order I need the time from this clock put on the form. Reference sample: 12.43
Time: 12.11
